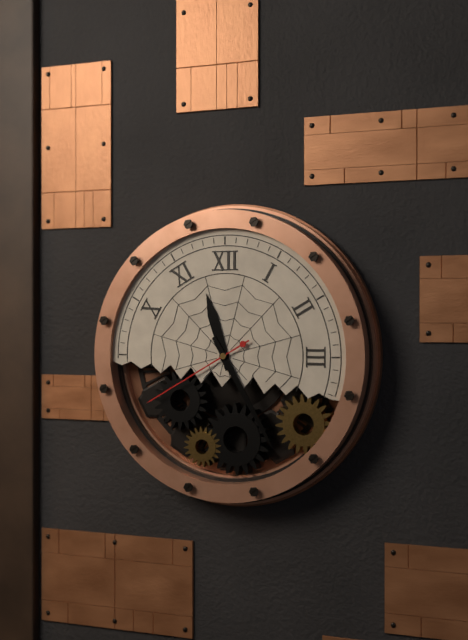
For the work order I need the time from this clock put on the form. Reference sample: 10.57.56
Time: 11.25.40
